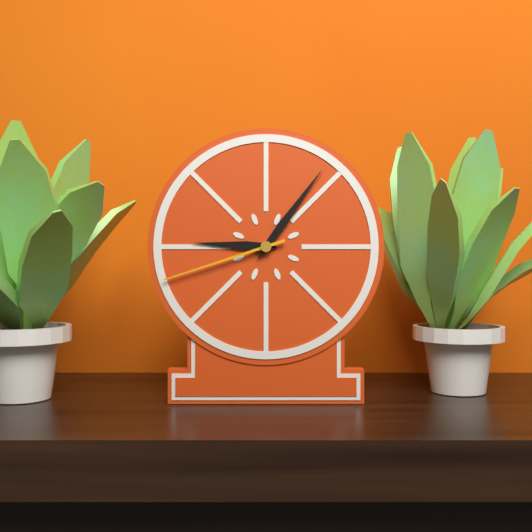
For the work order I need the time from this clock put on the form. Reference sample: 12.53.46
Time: 9.06.42
